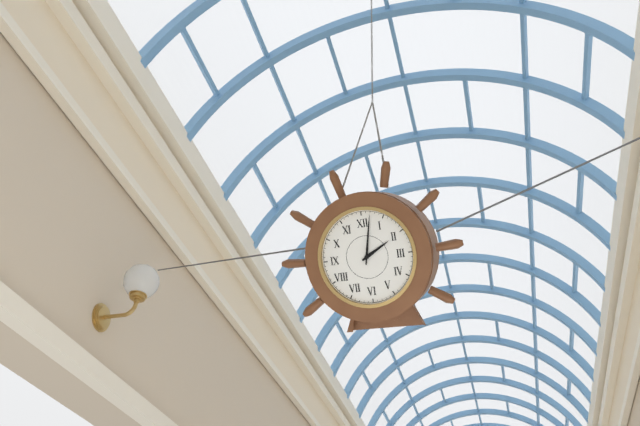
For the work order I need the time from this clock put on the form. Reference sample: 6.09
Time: 2.02
